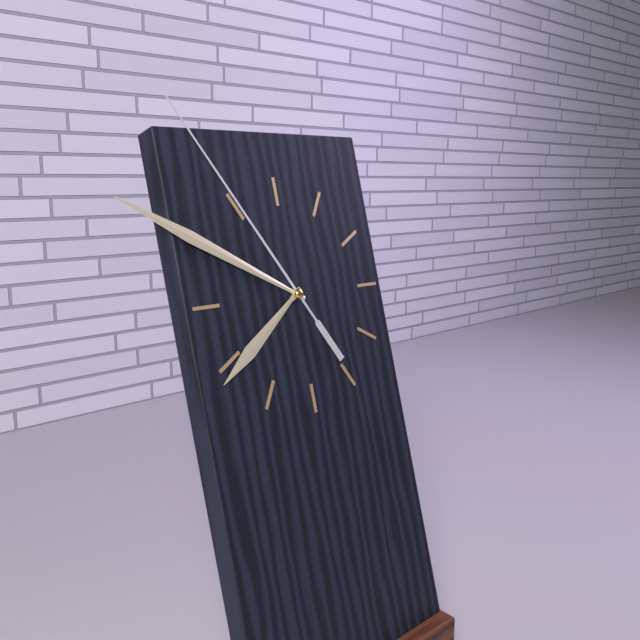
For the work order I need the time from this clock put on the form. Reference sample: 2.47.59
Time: 7.50.55
